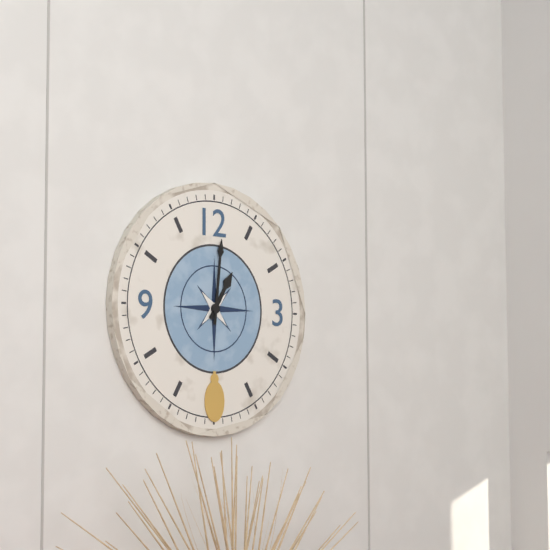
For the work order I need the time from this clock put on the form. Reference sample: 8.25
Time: 1.01
